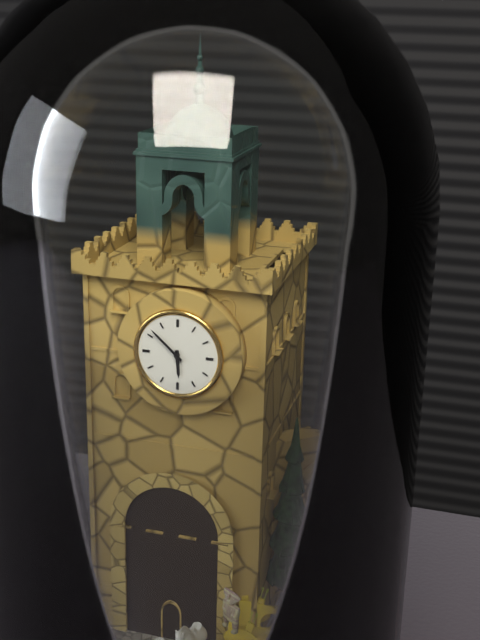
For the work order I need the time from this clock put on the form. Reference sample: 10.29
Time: 5.52
